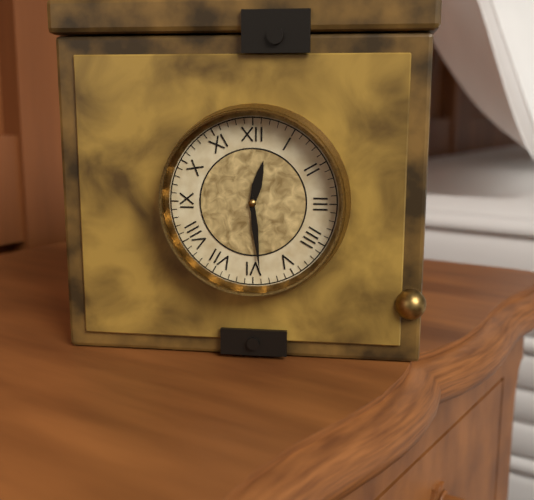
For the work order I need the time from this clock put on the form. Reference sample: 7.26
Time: 12.29
